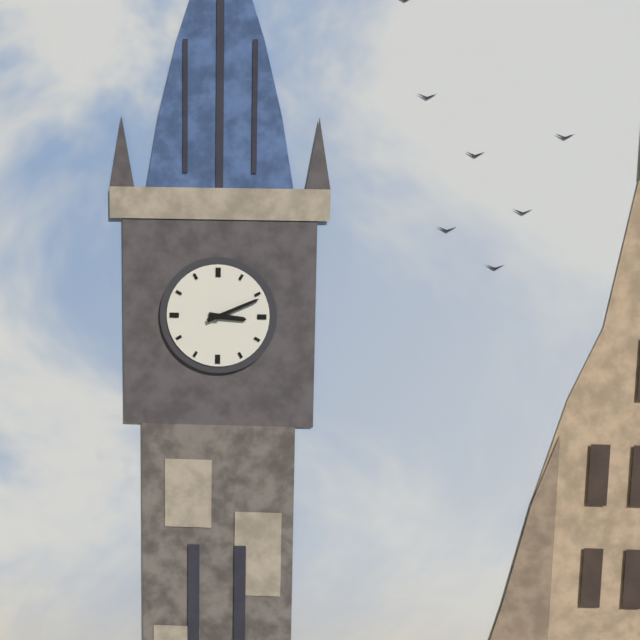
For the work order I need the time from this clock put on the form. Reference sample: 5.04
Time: 3.11
